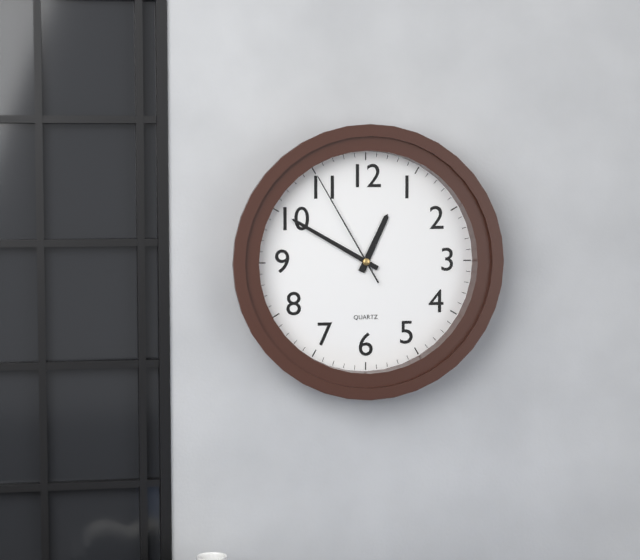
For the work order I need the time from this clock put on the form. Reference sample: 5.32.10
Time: 12.50.55
